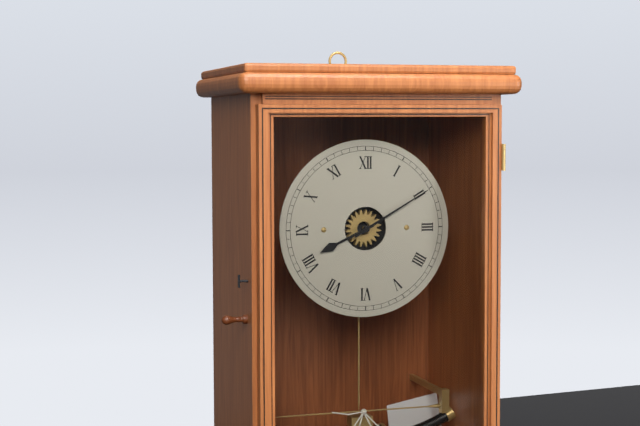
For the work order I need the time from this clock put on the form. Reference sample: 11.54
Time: 8.10
